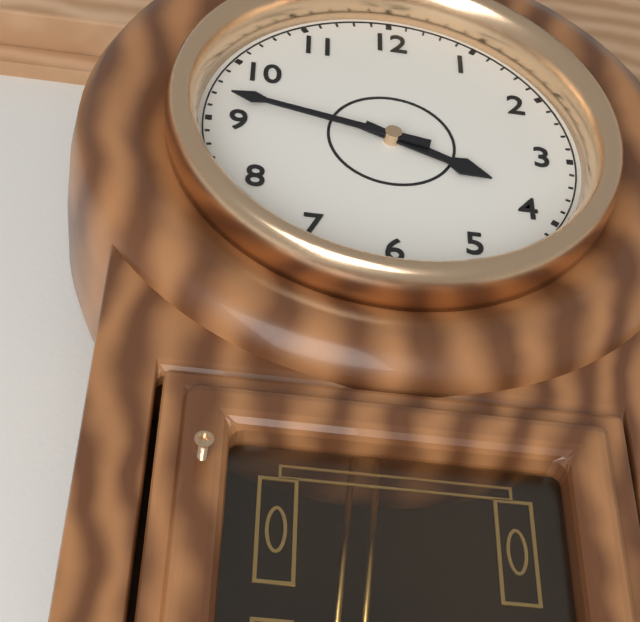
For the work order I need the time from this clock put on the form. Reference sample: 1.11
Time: 3.47
